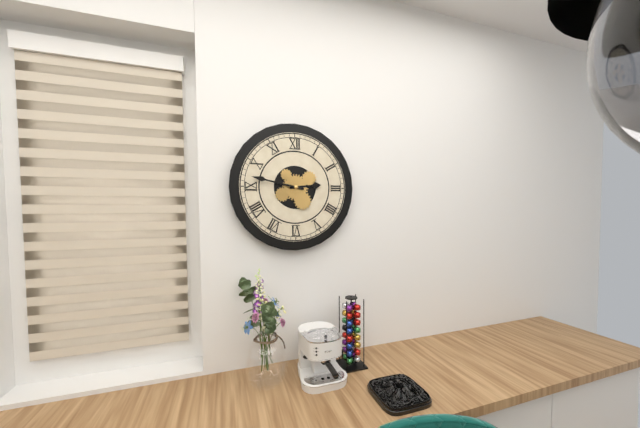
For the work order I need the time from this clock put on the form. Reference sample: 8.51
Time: 2.47
